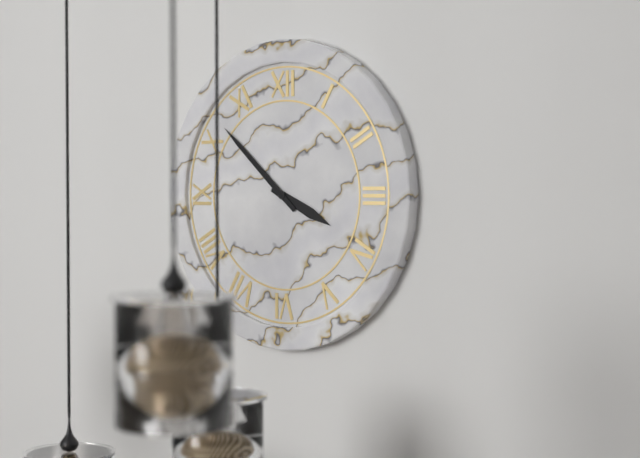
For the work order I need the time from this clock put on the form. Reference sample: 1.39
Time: 3.52
